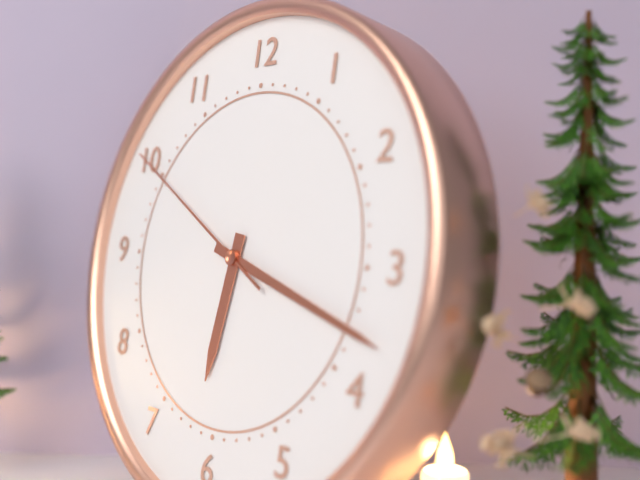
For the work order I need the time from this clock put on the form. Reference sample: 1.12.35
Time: 6.18.50
